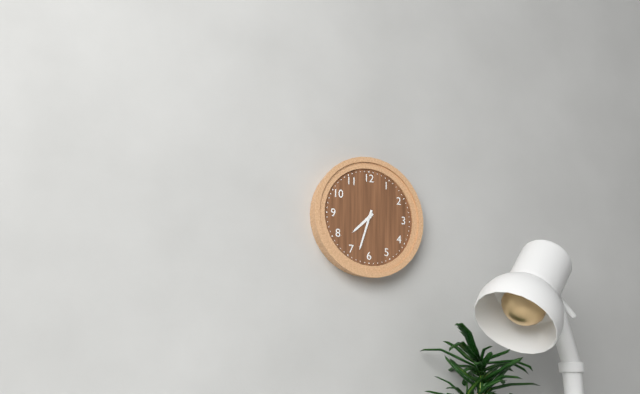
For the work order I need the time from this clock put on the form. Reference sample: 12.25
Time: 7.33
